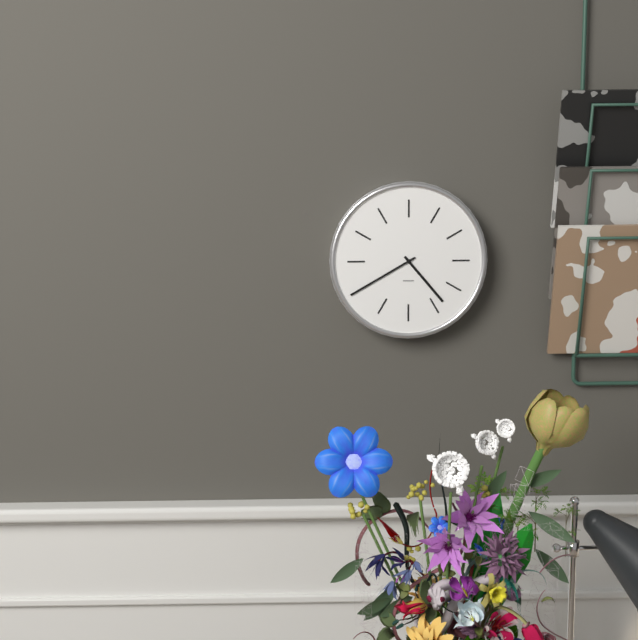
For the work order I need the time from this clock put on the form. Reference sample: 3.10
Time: 4.40
